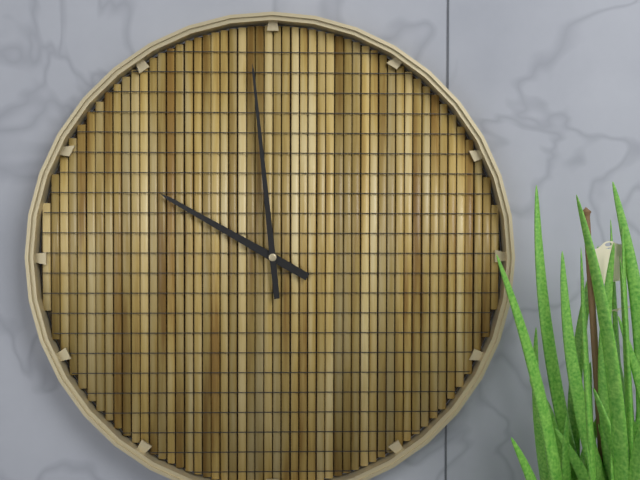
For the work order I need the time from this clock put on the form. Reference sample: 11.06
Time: 9.59
